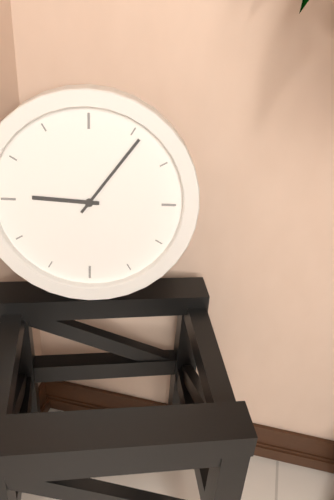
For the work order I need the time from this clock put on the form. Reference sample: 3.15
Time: 9.06
